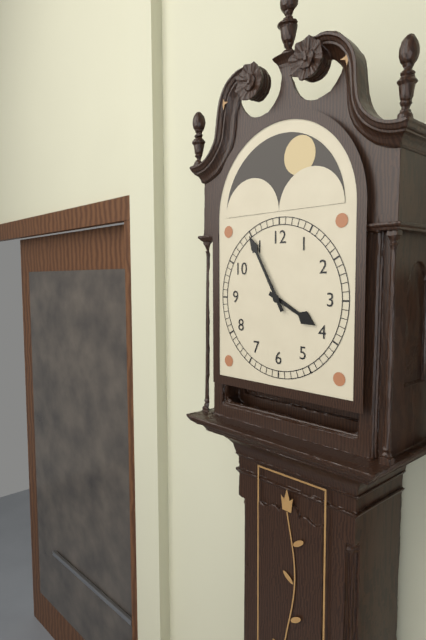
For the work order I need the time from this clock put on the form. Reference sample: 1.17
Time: 3.55
